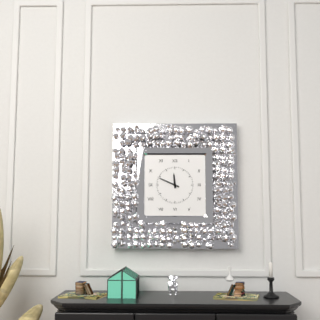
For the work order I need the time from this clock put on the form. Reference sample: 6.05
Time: 11.49
